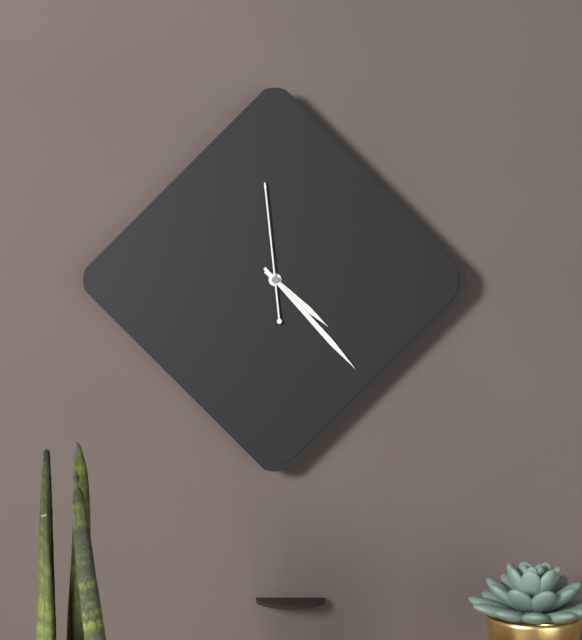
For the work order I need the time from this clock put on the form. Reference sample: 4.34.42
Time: 4.23.59
